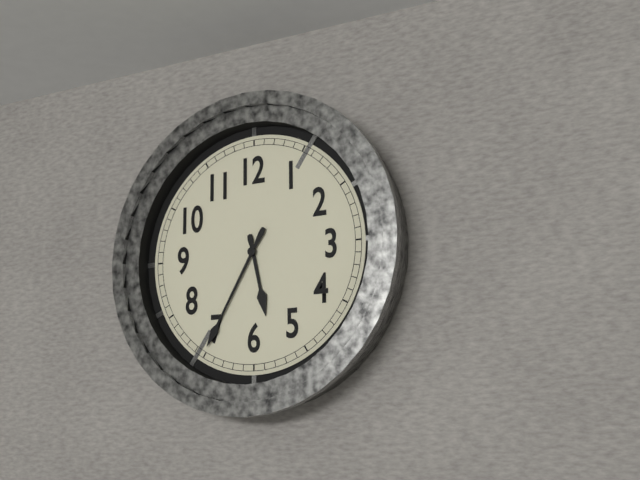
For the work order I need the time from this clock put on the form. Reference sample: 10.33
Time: 5.35
